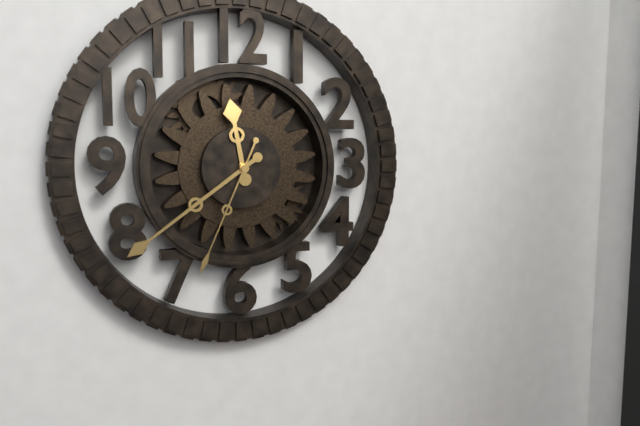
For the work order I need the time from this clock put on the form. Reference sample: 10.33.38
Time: 11.39.34
